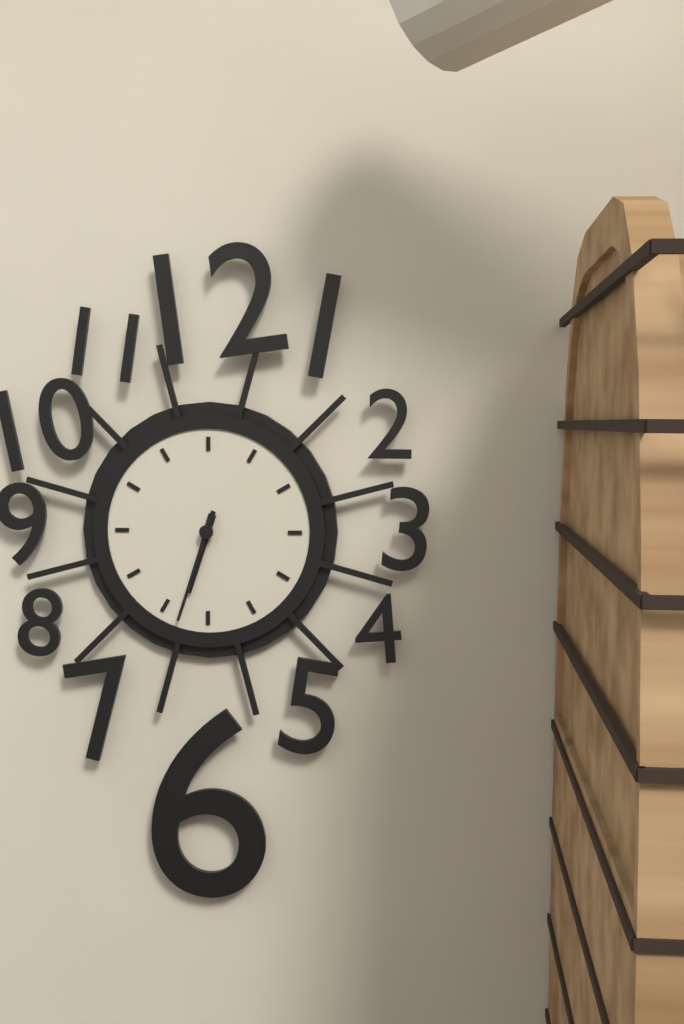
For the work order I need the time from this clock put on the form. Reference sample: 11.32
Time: 6.33
